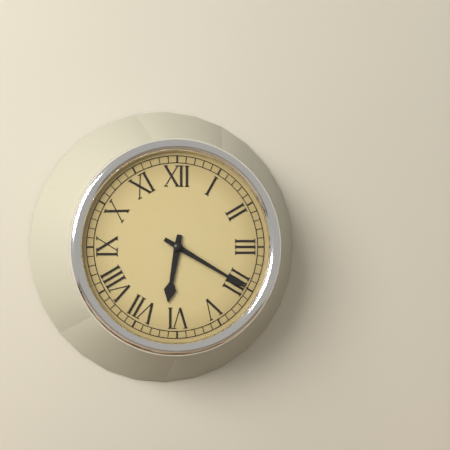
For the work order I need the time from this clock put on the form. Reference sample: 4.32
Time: 6.20
